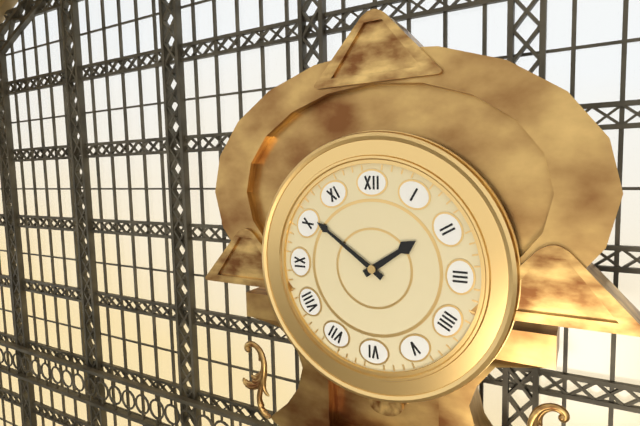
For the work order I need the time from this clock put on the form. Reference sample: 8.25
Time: 1.51
